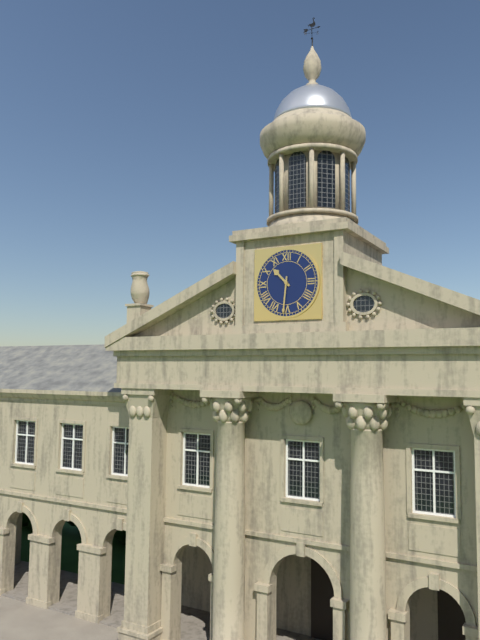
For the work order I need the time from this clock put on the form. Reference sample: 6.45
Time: 10.31
